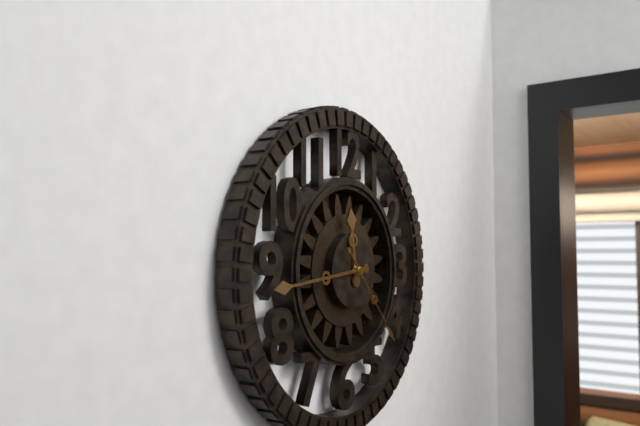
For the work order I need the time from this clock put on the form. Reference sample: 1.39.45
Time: 11.44.23
